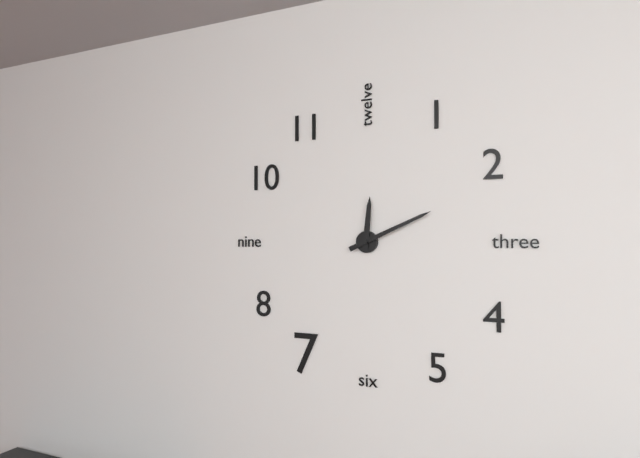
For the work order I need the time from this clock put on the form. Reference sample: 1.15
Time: 12.11
